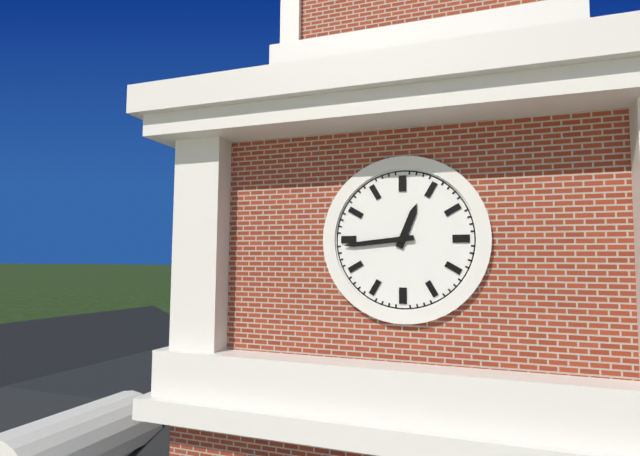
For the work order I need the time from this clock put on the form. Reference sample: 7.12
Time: 12.44
